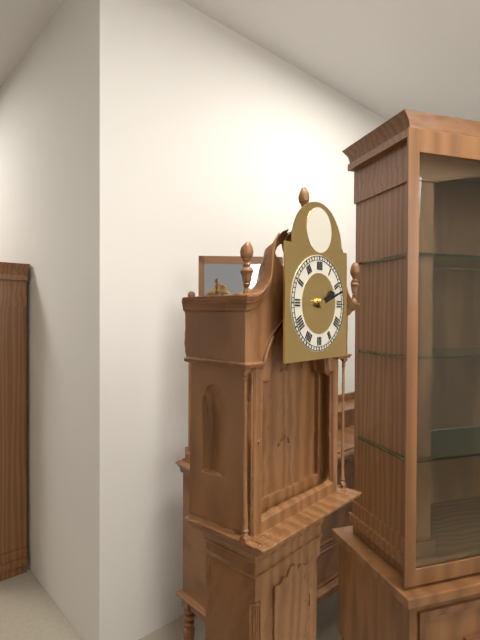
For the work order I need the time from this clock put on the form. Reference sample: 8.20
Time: 2.12
